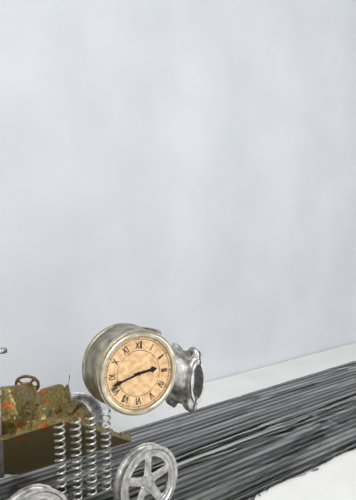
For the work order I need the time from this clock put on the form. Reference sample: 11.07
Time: 2.42
